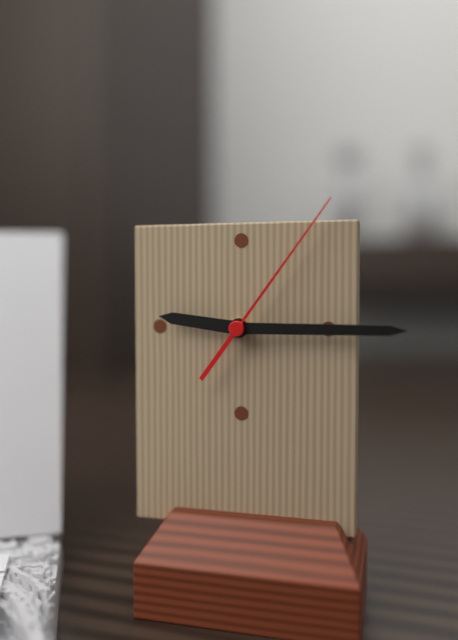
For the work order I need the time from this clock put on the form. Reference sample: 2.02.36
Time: 9.15.06
